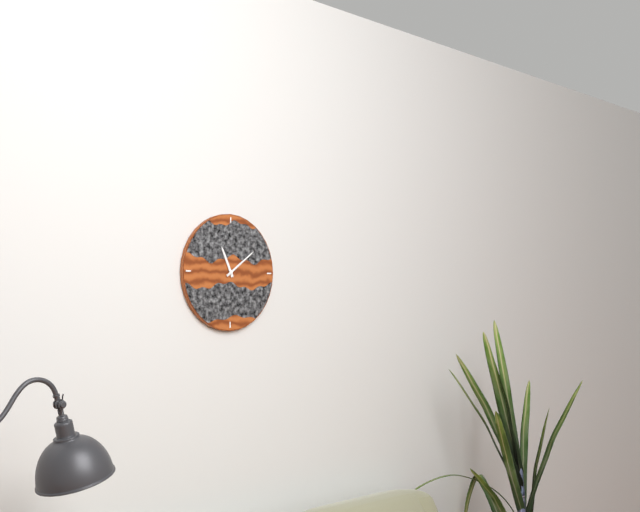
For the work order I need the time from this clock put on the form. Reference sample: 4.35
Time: 11.09
